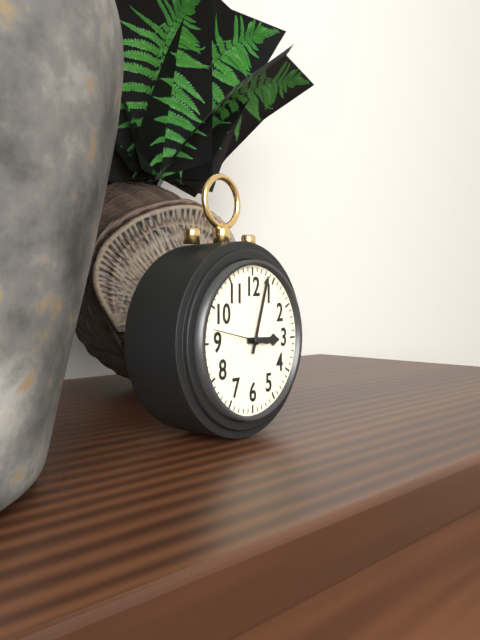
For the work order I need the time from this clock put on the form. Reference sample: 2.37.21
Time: 3.03.47
